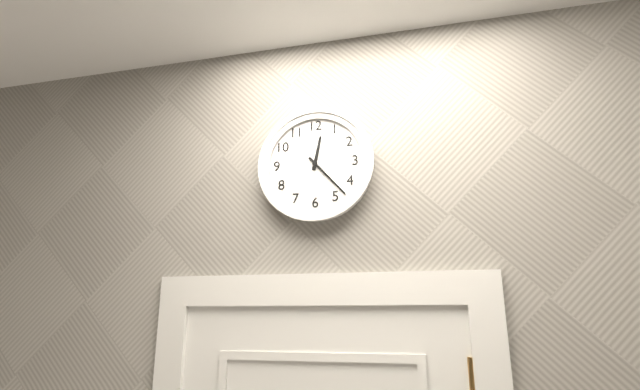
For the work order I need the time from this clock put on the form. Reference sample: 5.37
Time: 12.23
